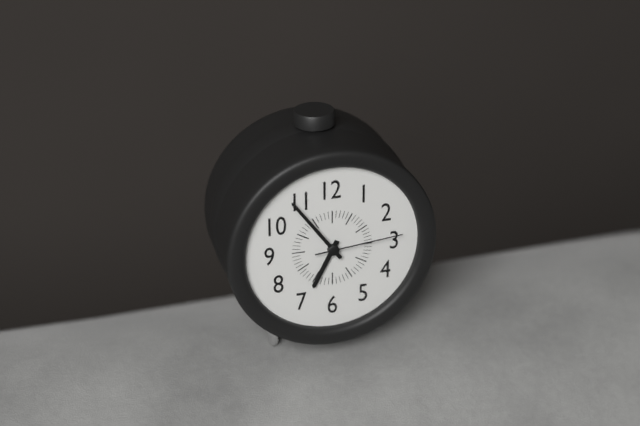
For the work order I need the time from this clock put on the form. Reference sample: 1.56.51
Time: 6.54.14
